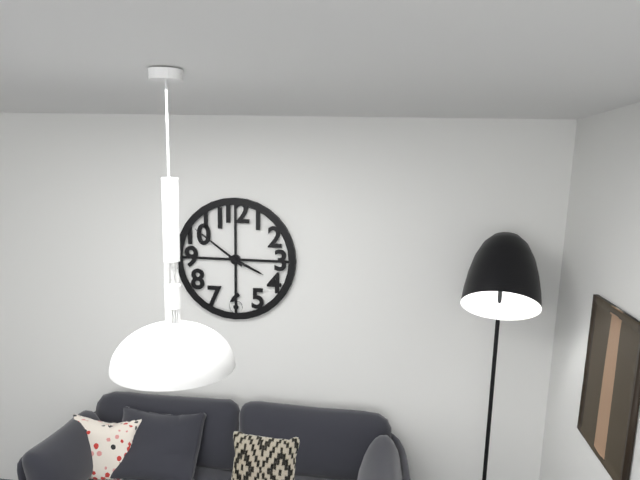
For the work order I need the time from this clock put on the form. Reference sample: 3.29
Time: 3.51
